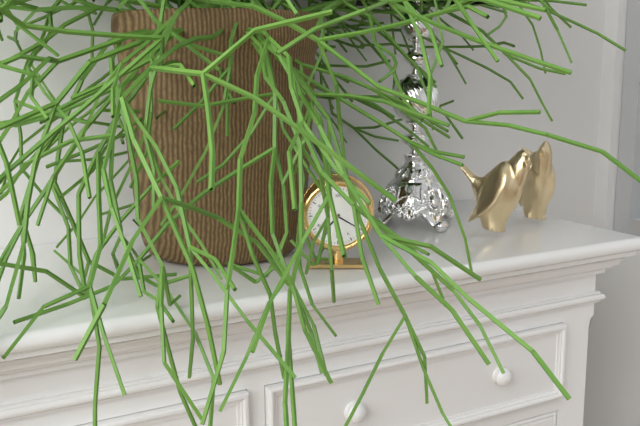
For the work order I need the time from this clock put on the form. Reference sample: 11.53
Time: 7.20
